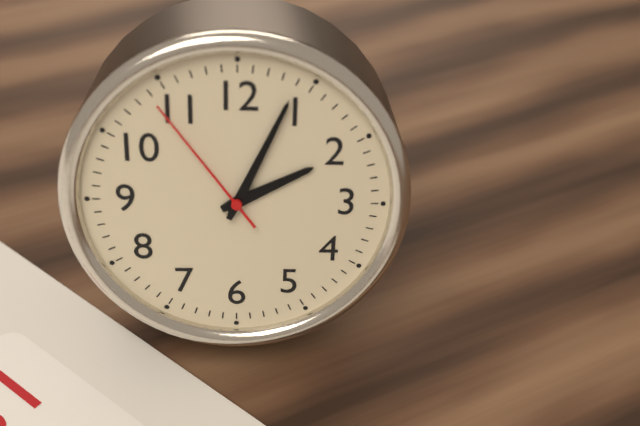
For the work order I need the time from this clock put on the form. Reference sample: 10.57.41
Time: 2.04.54
